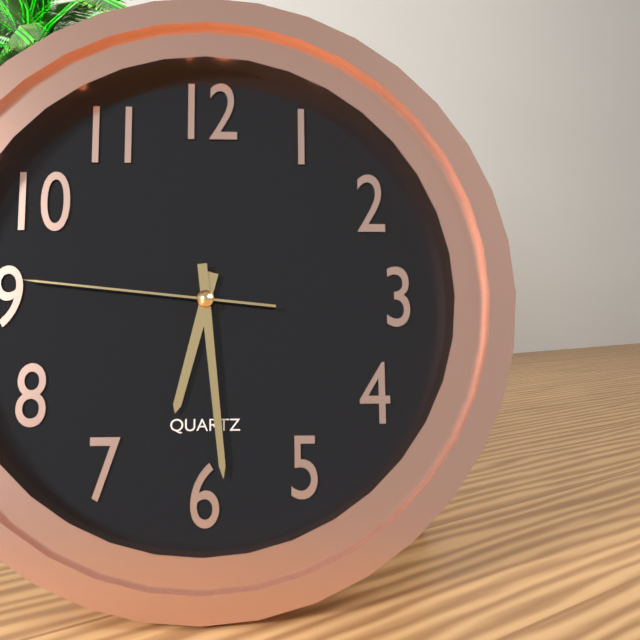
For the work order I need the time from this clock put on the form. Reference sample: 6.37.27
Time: 6.29.46
